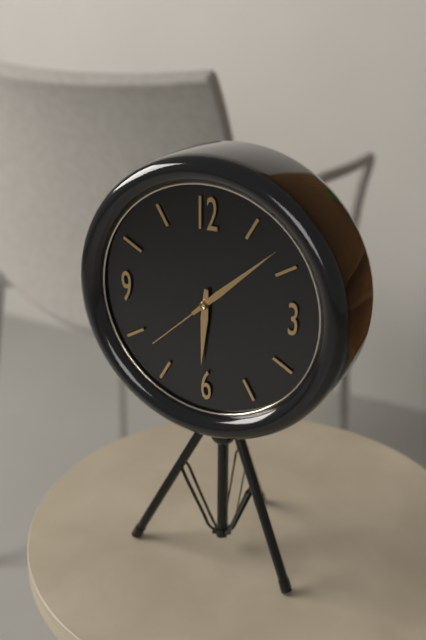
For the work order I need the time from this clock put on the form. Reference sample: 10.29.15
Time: 6.08.38
